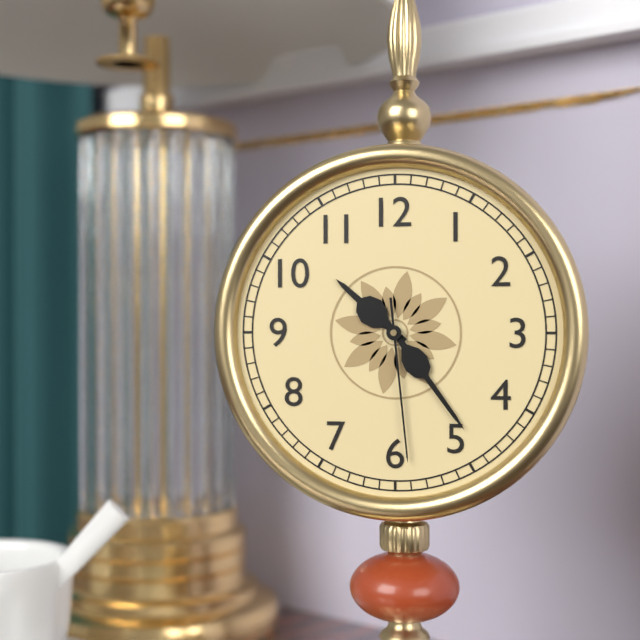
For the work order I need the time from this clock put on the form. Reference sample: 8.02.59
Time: 10.24.29
